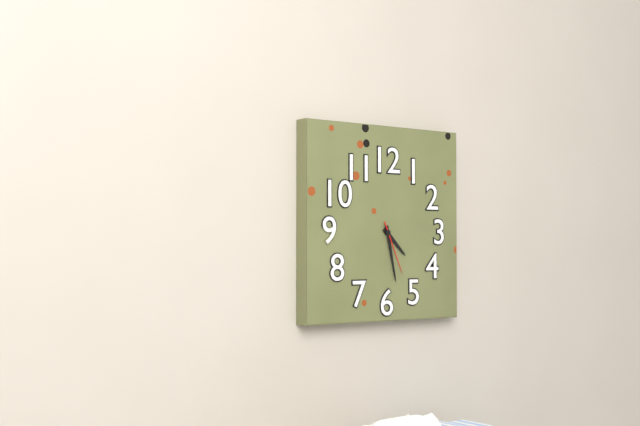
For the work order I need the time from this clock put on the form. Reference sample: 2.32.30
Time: 4.28.26
